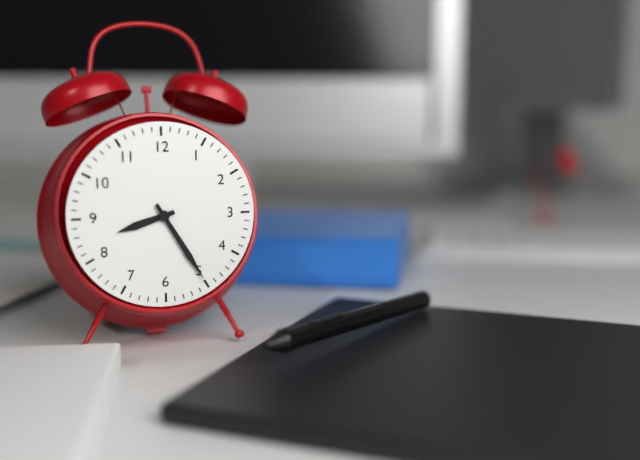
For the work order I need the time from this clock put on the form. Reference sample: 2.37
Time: 8.25
